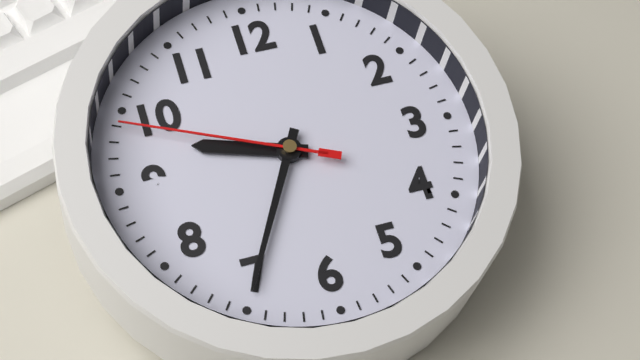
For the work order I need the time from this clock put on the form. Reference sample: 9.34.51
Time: 9.35.49
